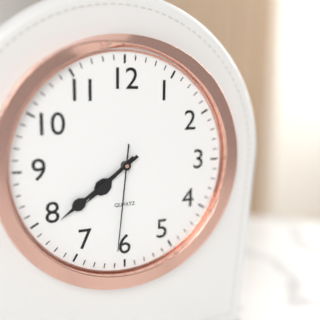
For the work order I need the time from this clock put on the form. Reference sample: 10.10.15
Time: 7.39.31
